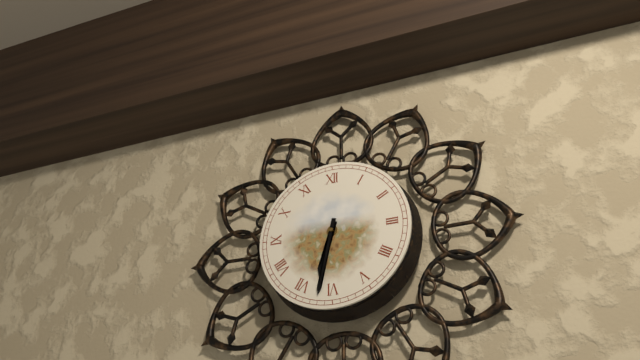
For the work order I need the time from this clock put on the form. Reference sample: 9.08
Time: 6.32
